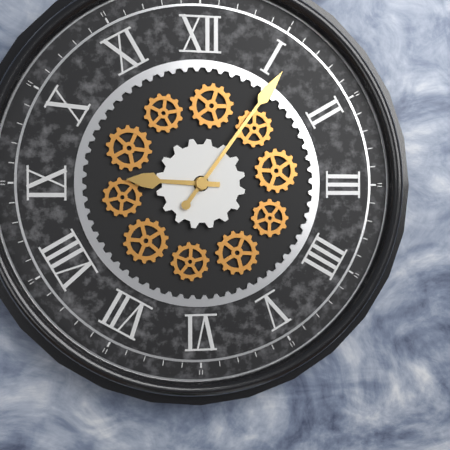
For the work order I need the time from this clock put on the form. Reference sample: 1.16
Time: 9.06
